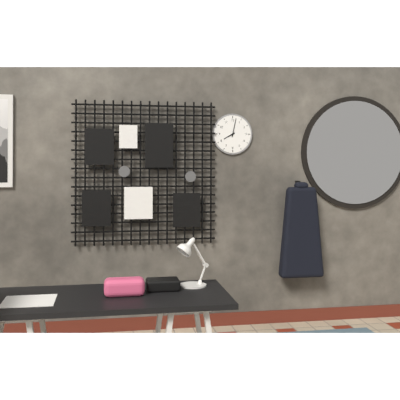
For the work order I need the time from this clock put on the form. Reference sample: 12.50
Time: 8.02
